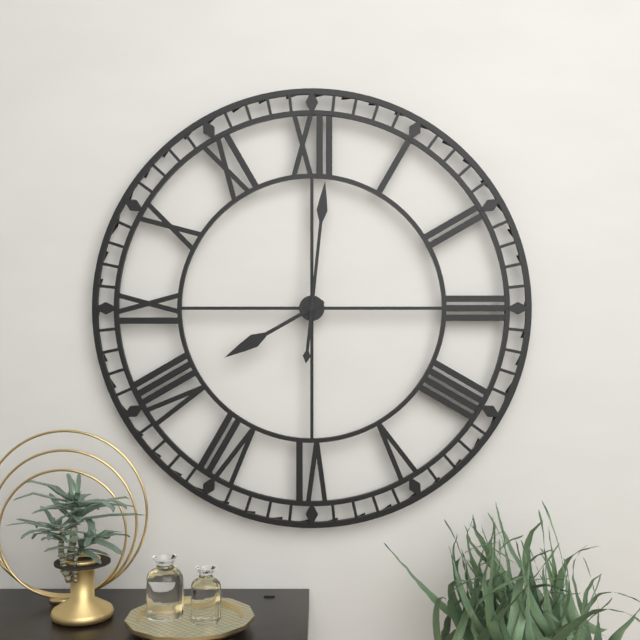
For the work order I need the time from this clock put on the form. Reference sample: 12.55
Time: 8.01
